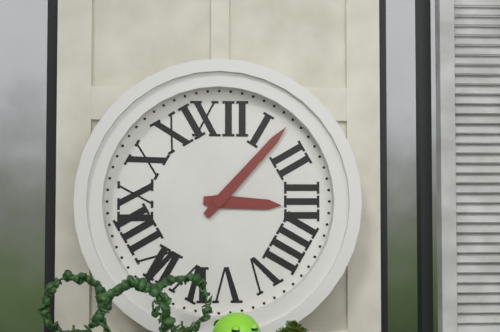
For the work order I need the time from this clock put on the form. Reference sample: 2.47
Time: 3.07
